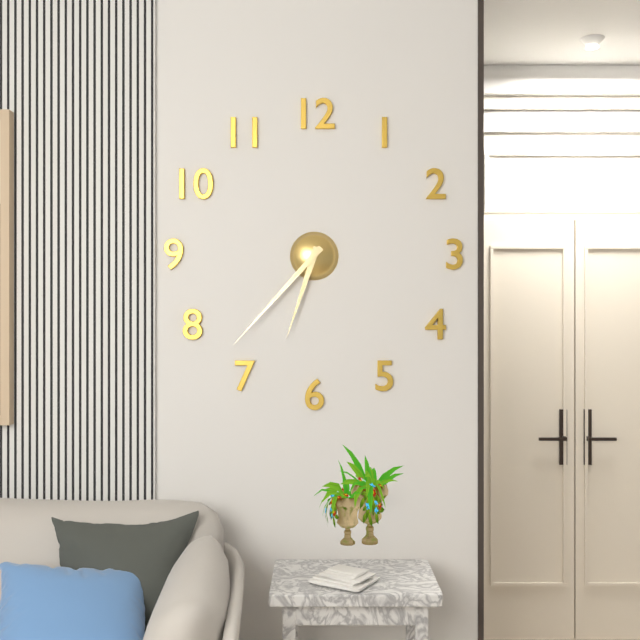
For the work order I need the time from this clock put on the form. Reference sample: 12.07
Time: 6.37
